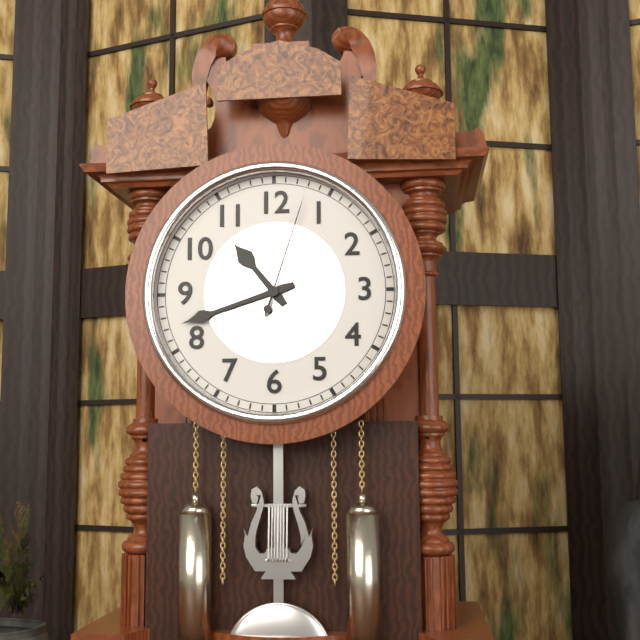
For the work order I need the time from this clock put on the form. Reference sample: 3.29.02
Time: 10.42.03
